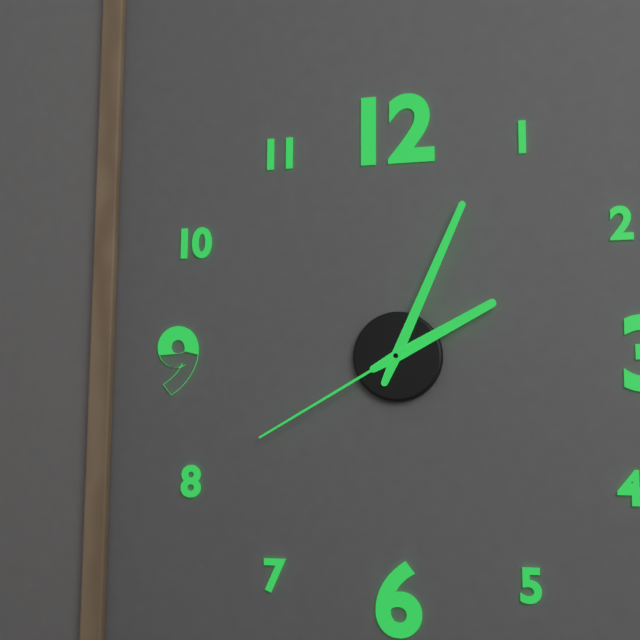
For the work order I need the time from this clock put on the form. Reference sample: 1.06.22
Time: 2.04.40
